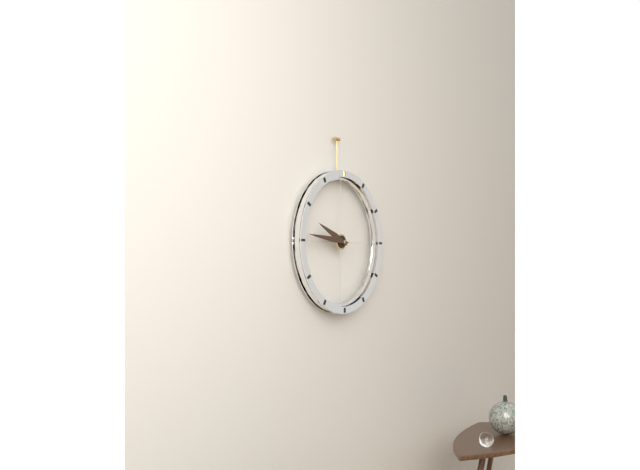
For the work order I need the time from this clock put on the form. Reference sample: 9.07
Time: 9.46
